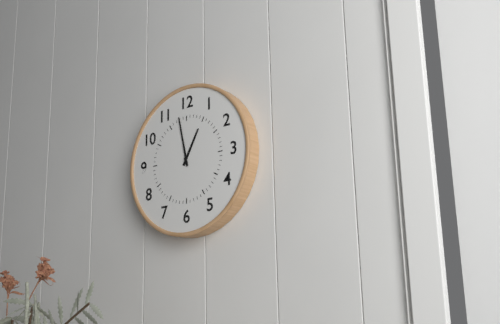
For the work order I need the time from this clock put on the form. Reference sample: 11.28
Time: 12.58
